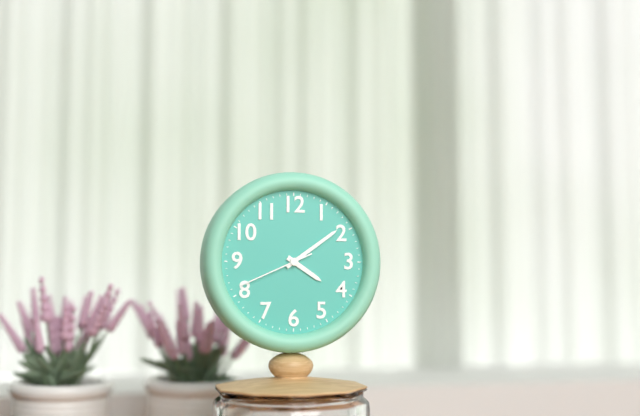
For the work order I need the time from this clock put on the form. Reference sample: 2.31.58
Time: 4.09.41
